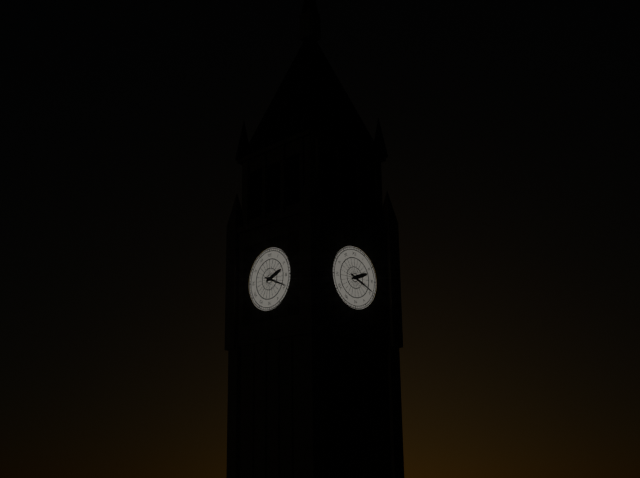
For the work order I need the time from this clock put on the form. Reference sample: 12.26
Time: 2.19
